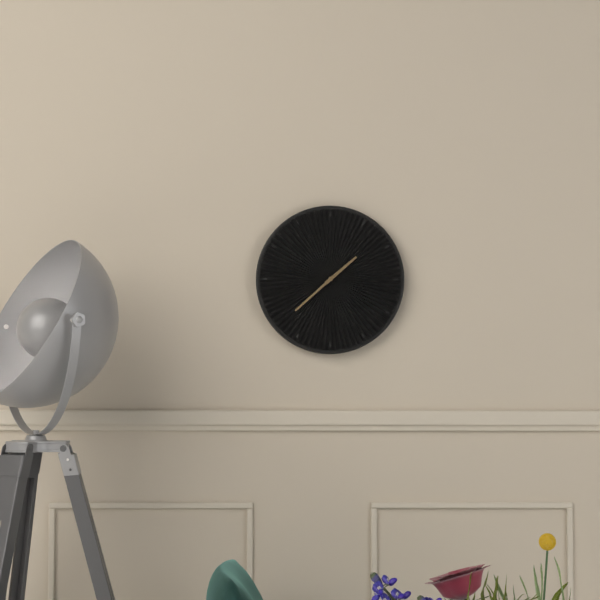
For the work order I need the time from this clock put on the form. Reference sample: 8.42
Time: 1.38
